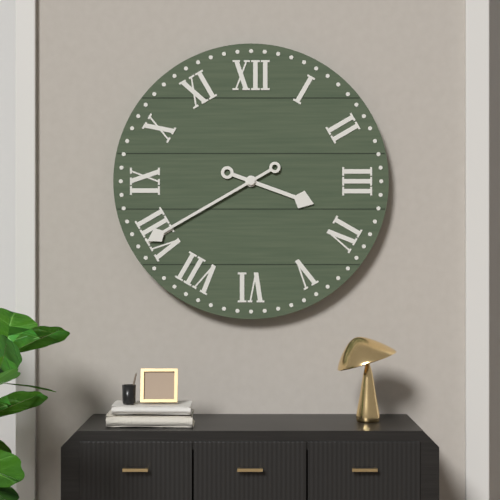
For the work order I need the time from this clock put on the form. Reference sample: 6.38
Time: 3.40
